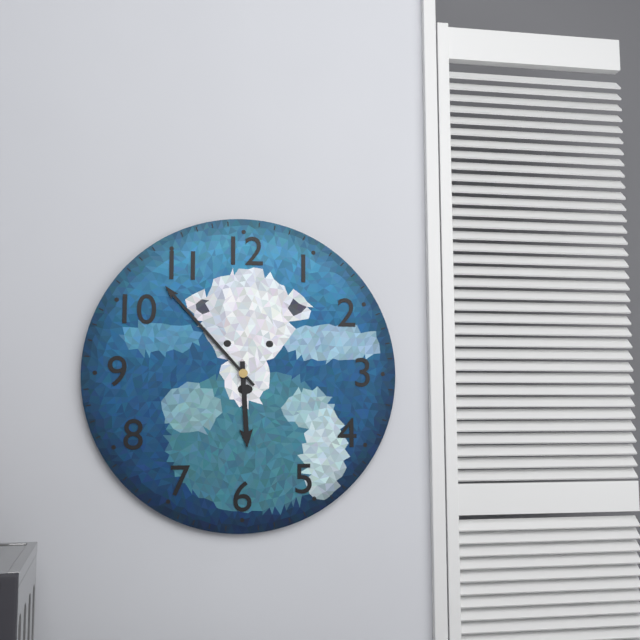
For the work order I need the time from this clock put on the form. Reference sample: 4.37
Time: 5.53
